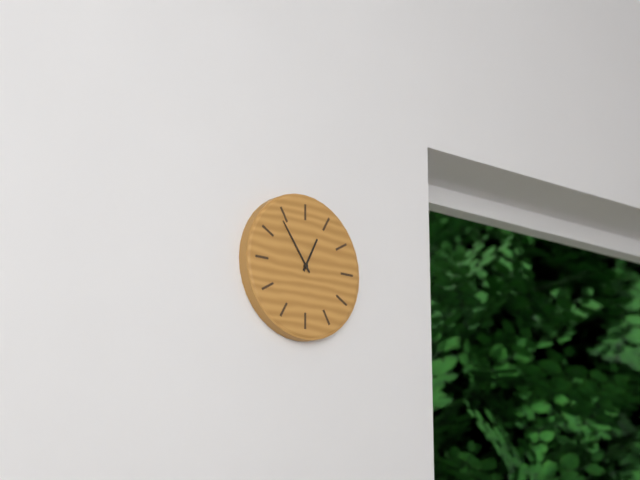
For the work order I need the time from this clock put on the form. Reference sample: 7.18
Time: 12.54
